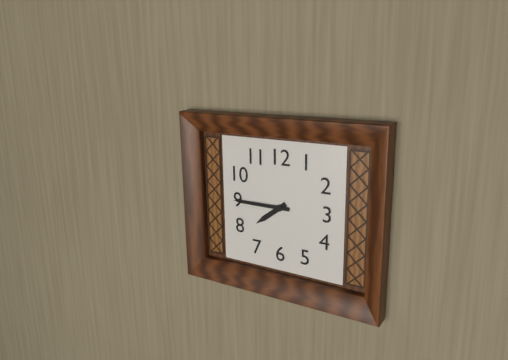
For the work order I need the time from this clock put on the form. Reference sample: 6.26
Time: 7.45
